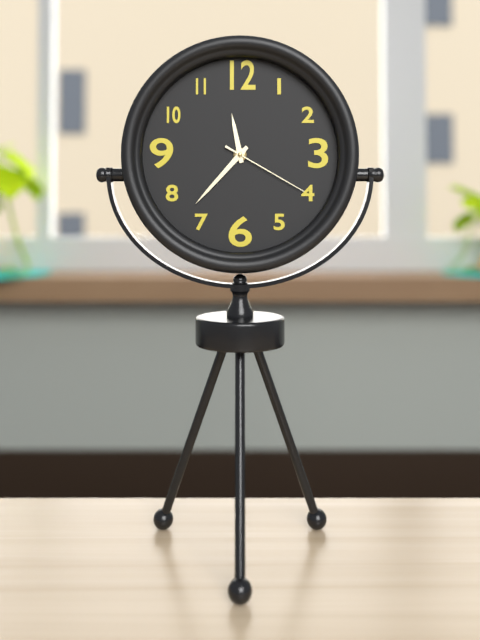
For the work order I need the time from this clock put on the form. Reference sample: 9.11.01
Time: 11.37.20
